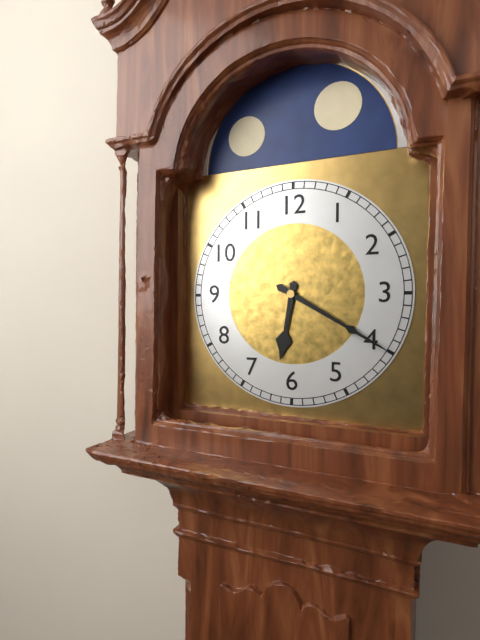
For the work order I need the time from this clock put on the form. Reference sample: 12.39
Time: 6.20
